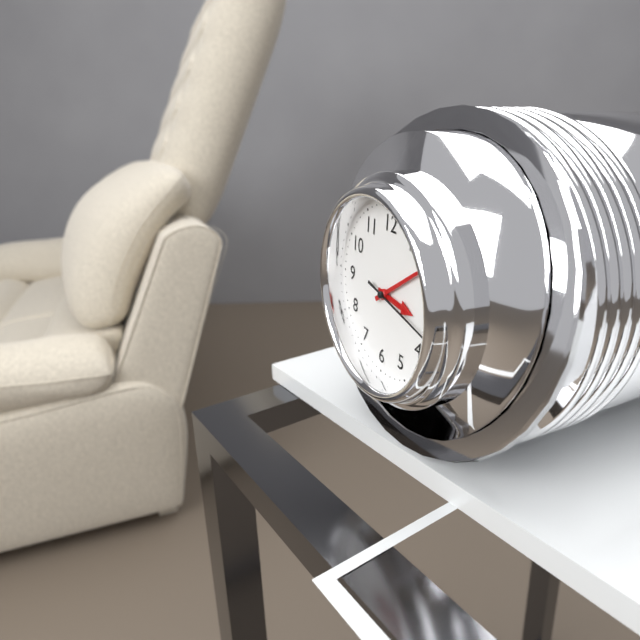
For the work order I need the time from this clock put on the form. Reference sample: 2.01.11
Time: 3.09.17
